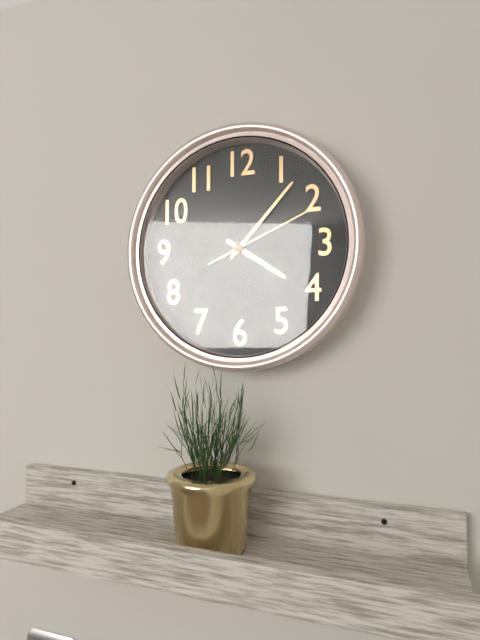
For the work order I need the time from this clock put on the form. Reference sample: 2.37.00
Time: 4.07.11
